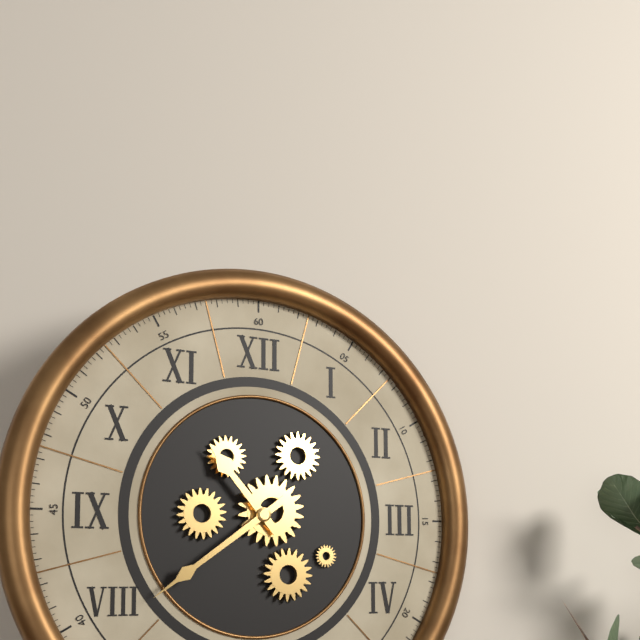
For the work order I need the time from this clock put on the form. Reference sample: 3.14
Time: 10.39
